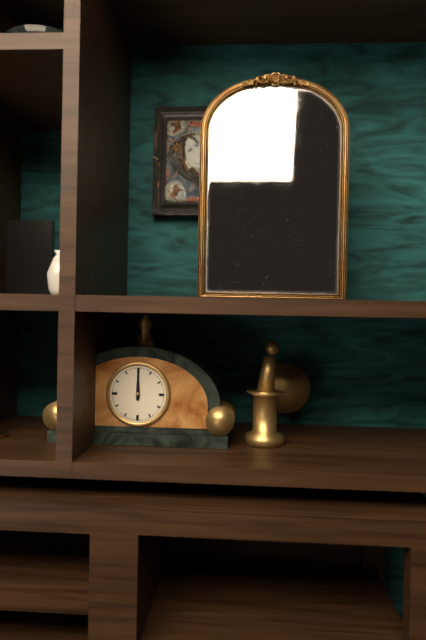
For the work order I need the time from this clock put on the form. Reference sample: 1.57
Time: 12.00
